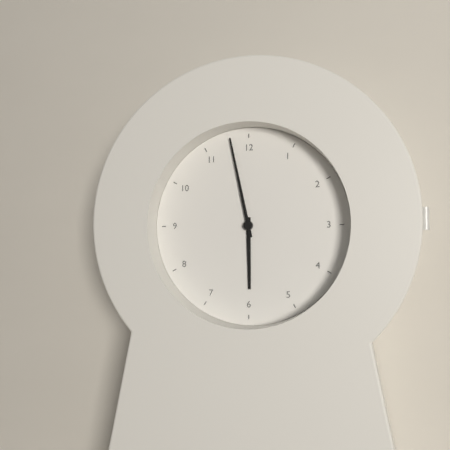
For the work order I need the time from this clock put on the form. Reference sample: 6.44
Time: 5.58
